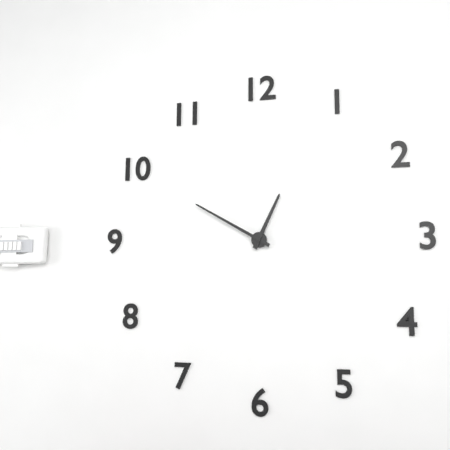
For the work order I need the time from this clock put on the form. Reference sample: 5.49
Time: 12.50
